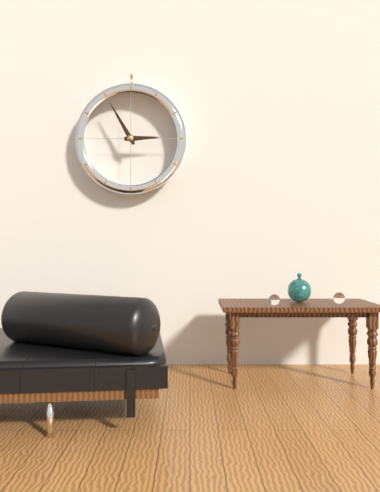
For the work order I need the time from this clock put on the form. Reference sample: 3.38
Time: 2.55
